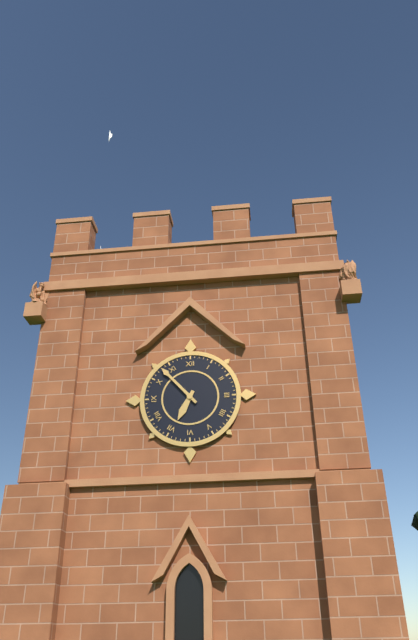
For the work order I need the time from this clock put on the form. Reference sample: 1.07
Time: 6.53
